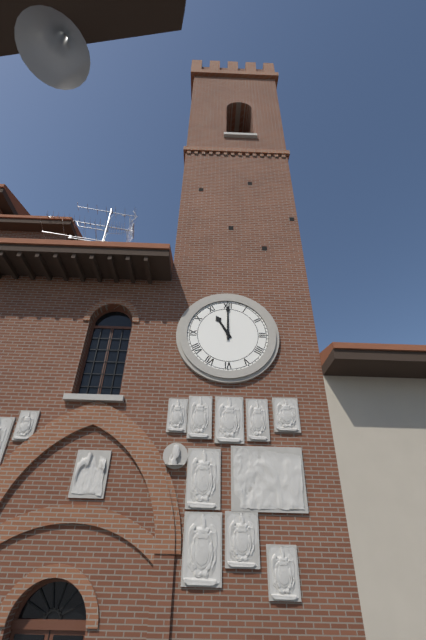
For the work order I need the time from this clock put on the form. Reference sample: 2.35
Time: 11.00
